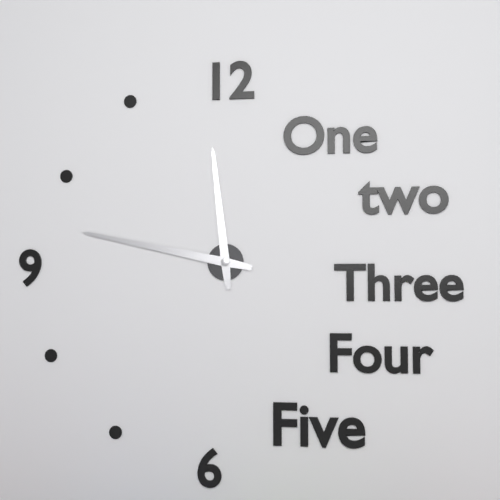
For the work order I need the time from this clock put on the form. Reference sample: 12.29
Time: 11.47
